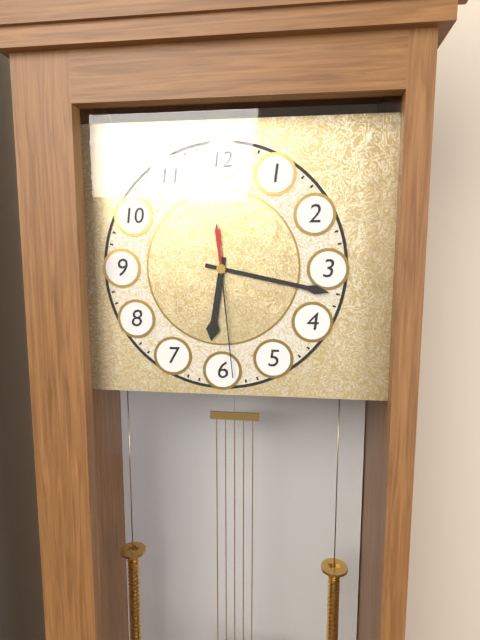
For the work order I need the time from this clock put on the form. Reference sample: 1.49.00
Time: 6.17.29
